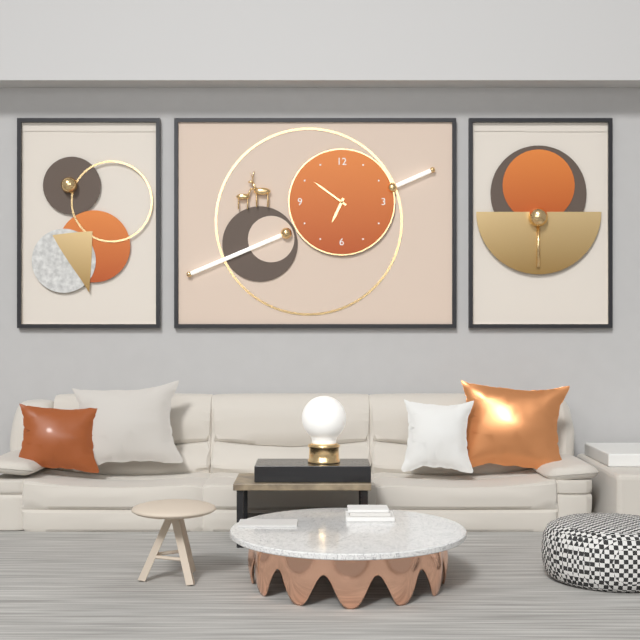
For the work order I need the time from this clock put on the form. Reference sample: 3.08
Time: 6.51
